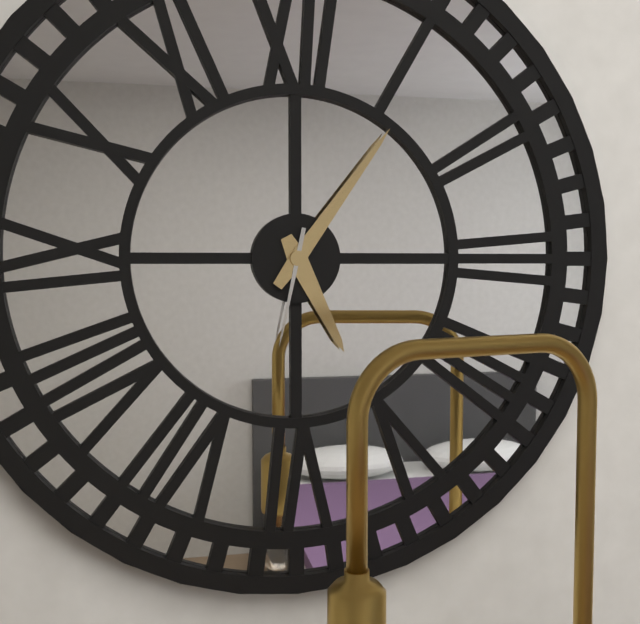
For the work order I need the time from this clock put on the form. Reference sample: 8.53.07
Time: 5.06.32
